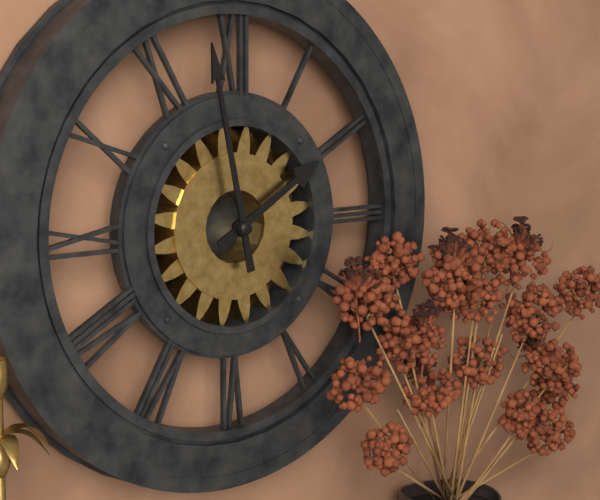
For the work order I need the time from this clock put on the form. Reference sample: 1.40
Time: 1.58
